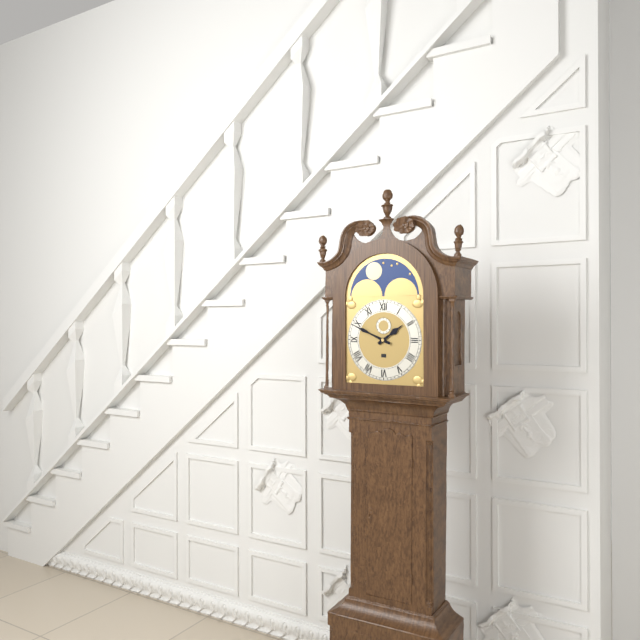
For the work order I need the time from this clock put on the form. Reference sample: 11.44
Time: 1.49
